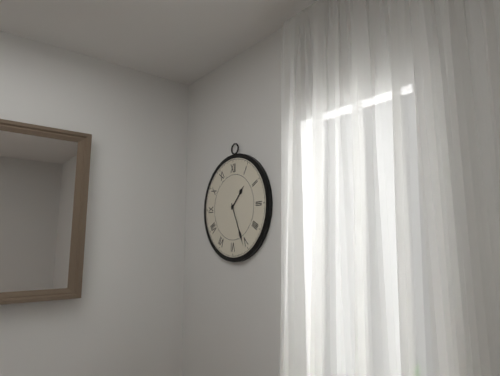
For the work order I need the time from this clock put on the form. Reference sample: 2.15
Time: 1.26
